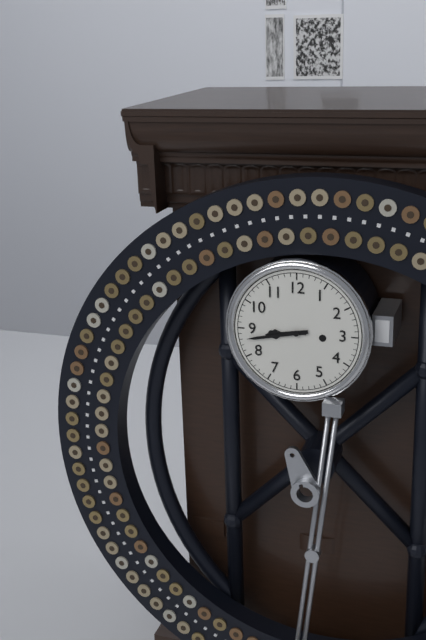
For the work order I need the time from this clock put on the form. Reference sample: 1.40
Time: 8.43
